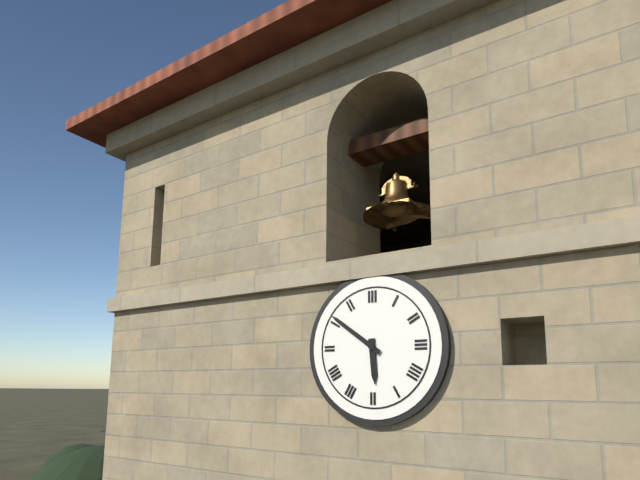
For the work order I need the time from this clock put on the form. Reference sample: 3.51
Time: 5.51
